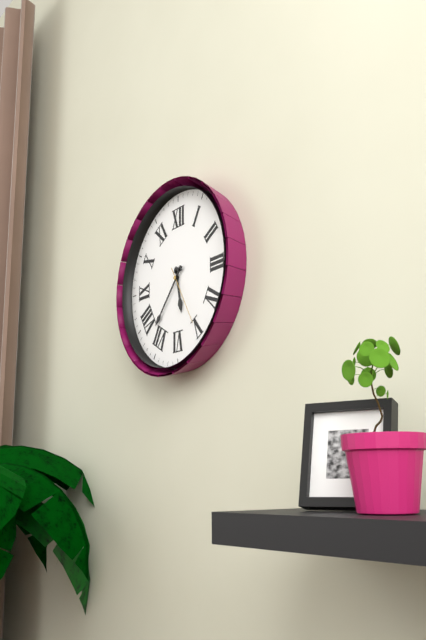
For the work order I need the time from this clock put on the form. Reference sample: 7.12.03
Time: 5.37.25
